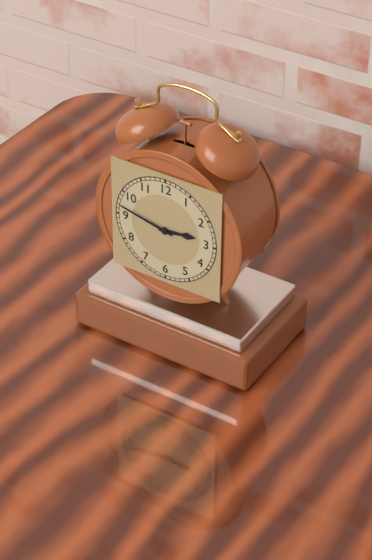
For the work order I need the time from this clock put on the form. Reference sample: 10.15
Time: 2.47
